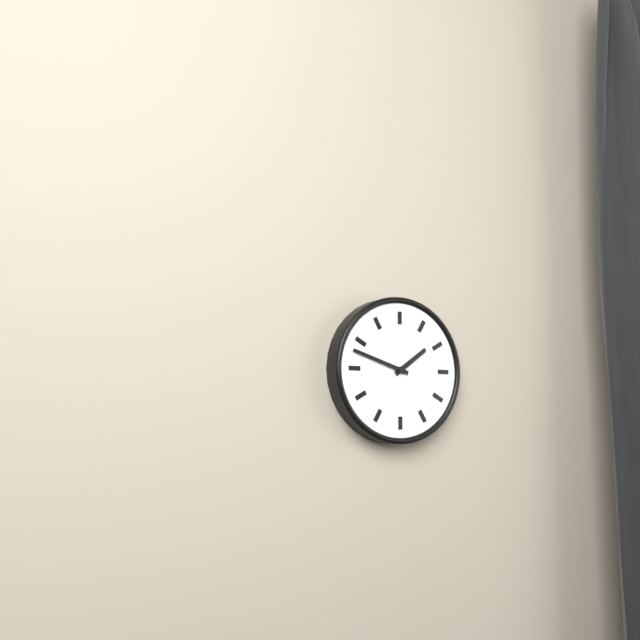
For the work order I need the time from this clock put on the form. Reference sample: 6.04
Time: 1.48
